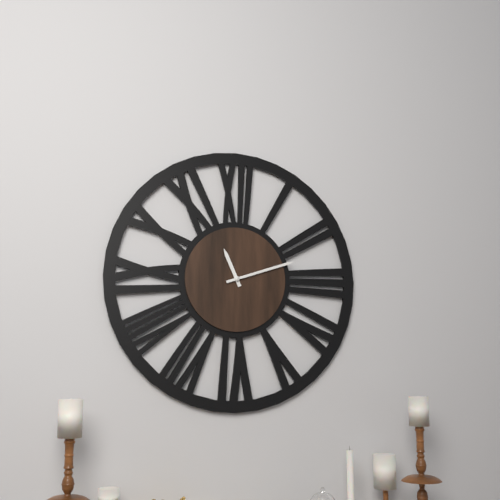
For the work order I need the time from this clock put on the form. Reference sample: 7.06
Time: 11.12
